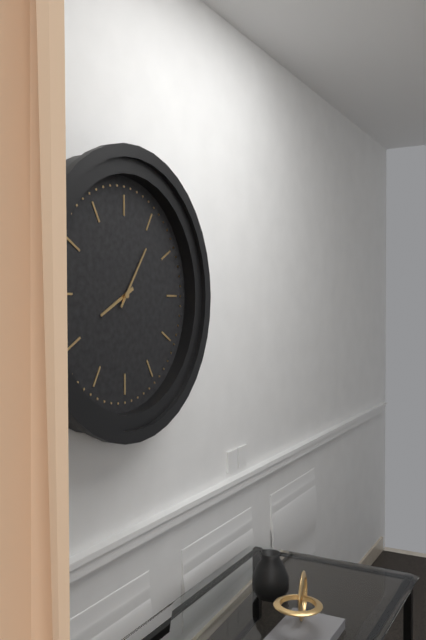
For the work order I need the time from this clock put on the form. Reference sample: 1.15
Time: 8.06
